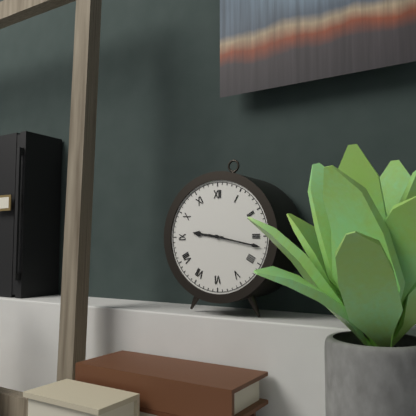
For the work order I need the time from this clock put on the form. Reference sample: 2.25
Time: 9.17
